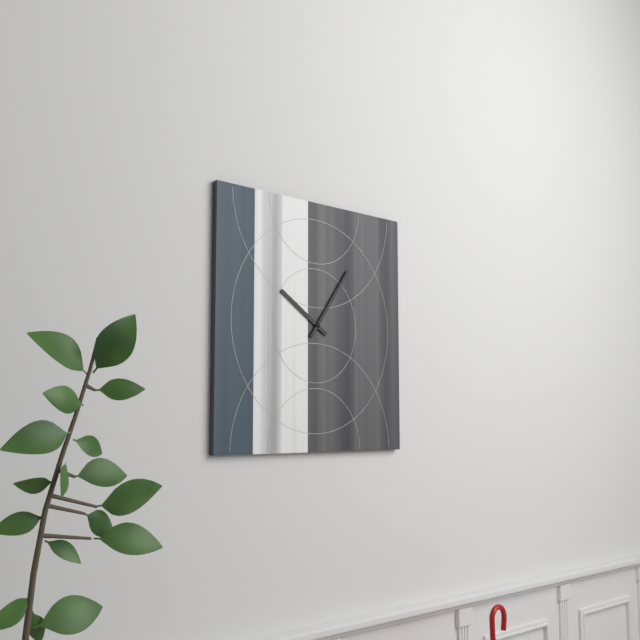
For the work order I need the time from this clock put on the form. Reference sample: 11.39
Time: 10.06
